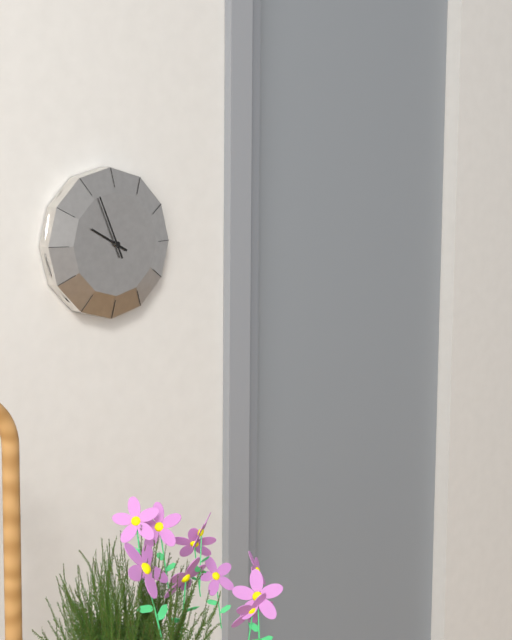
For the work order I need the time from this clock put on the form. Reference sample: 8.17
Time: 9.56
